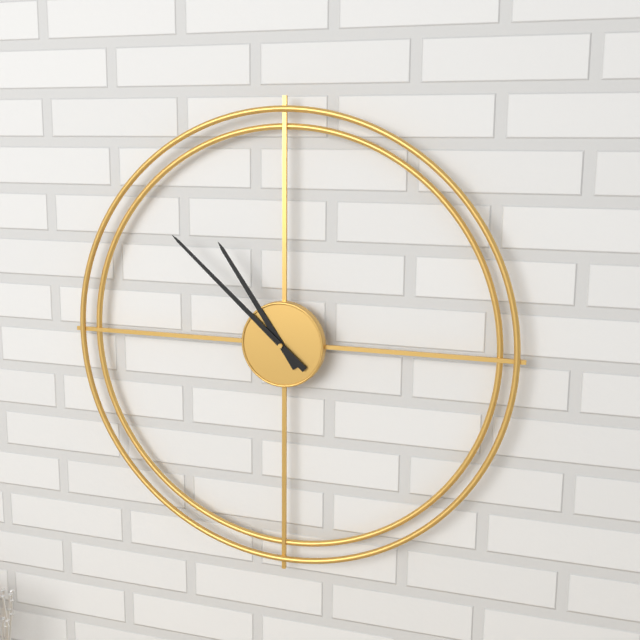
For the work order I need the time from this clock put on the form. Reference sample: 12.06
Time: 10.52
